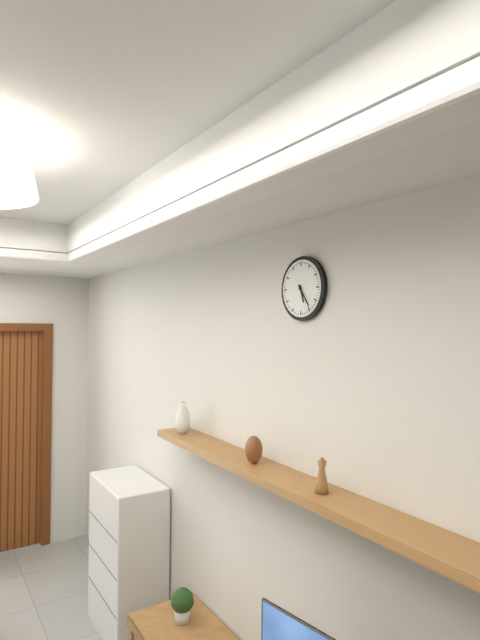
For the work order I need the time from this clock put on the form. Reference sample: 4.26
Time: 5.24
